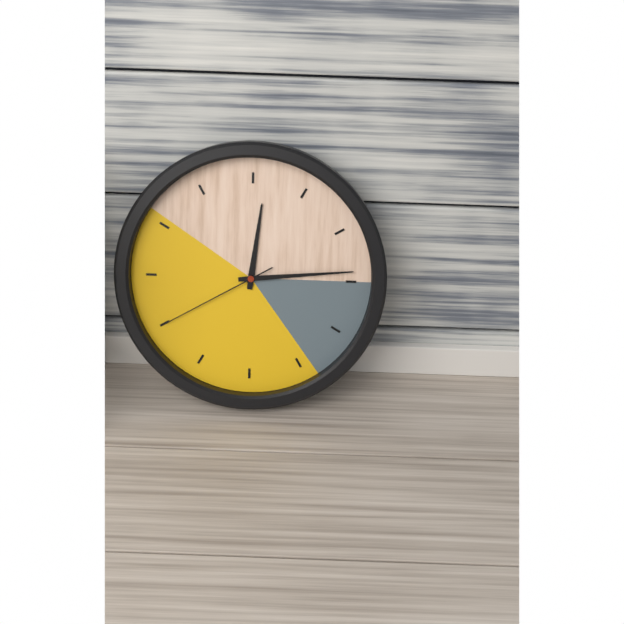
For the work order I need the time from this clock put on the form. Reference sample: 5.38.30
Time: 12.14.40
